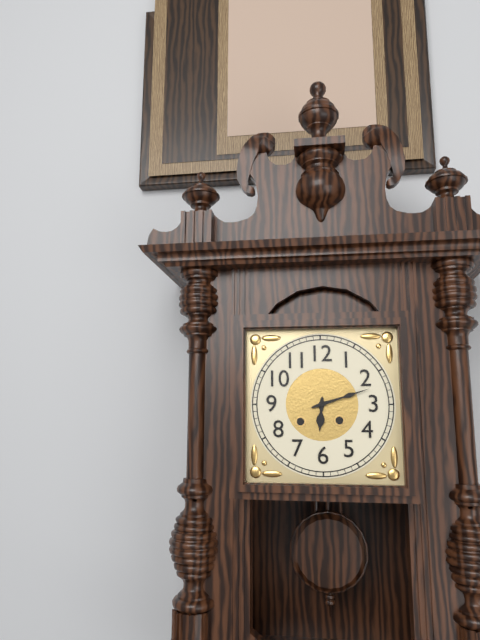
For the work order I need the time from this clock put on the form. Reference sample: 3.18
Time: 6.12
